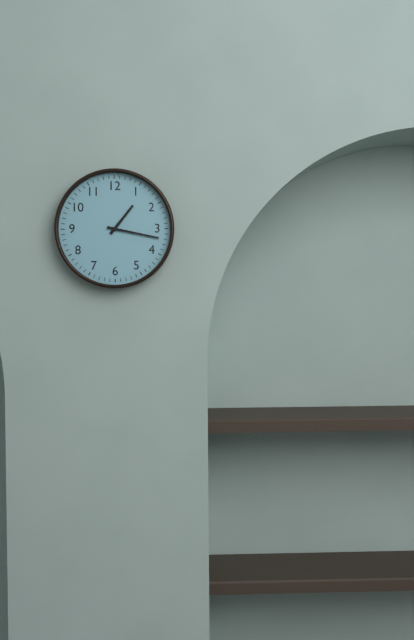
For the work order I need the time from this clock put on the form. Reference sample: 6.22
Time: 1.17
